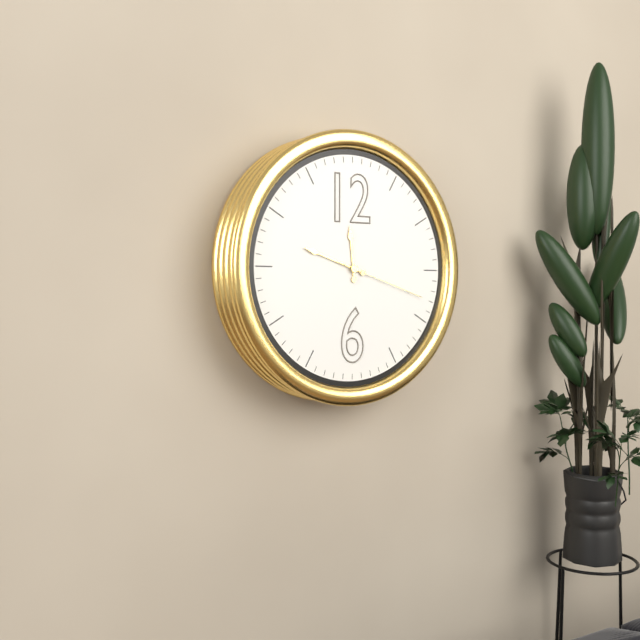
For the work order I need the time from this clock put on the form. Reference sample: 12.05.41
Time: 11.48.18
